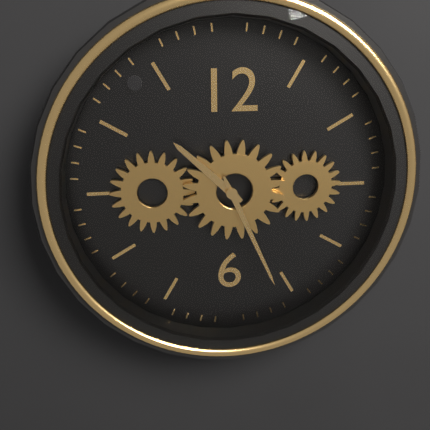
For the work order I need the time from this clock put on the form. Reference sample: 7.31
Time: 10.26
